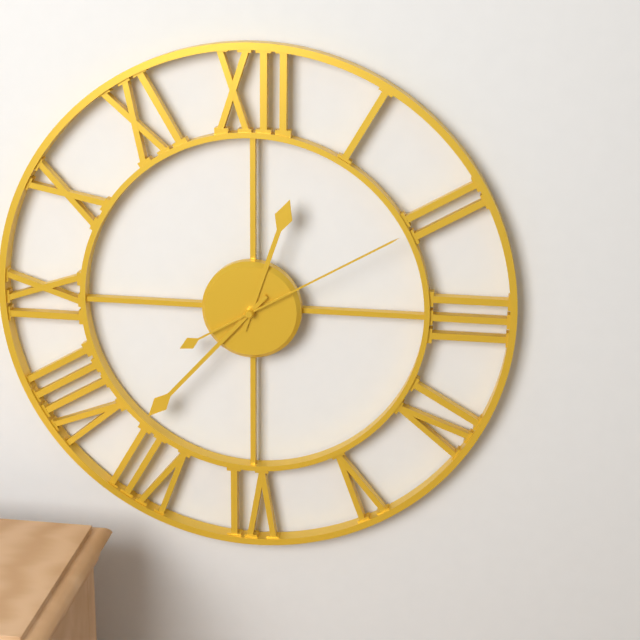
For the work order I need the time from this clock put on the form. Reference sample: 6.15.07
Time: 12.37.10
